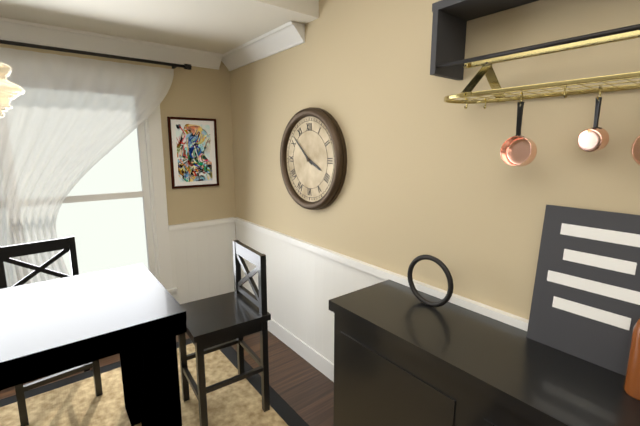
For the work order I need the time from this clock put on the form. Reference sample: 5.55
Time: 3.52
